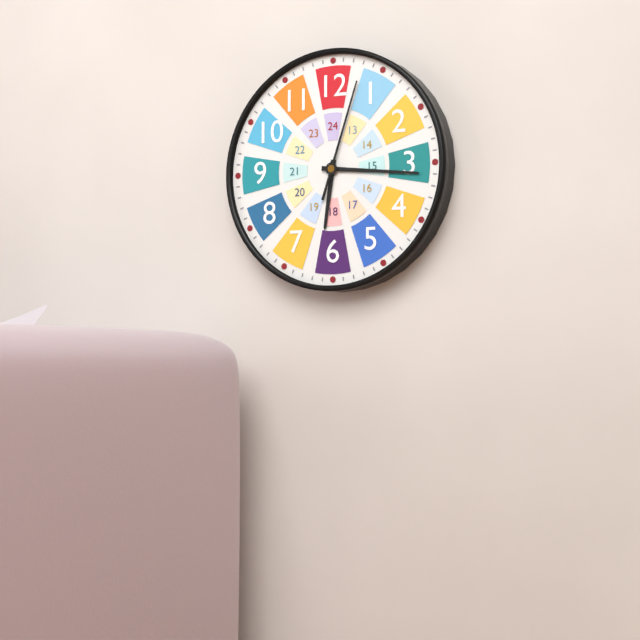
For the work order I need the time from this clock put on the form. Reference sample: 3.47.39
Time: 6.16.03
